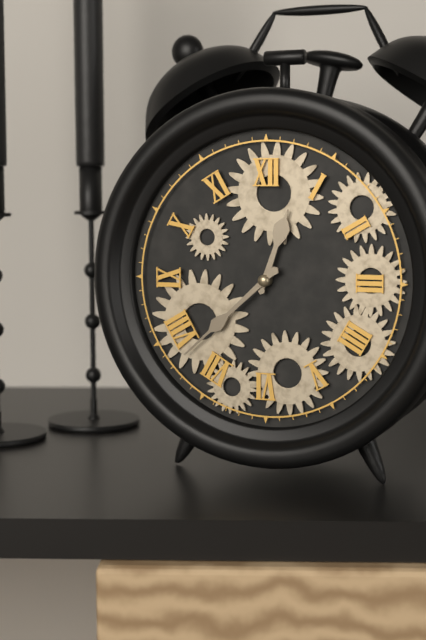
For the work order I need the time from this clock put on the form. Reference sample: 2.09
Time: 12.38
